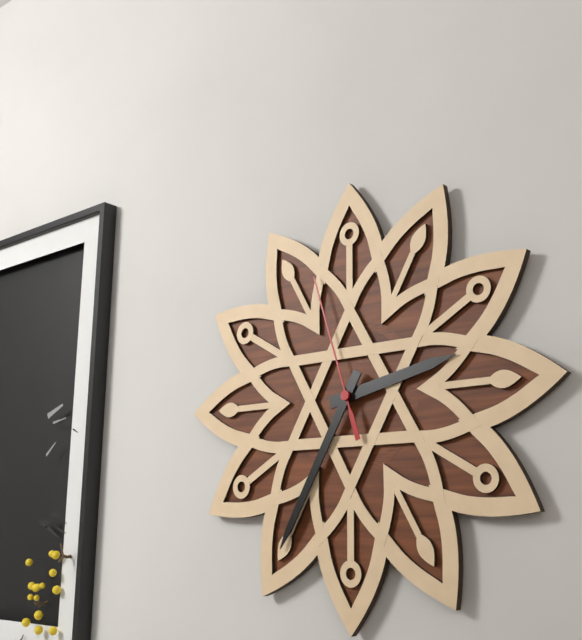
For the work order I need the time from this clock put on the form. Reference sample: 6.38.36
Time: 2.35.57
